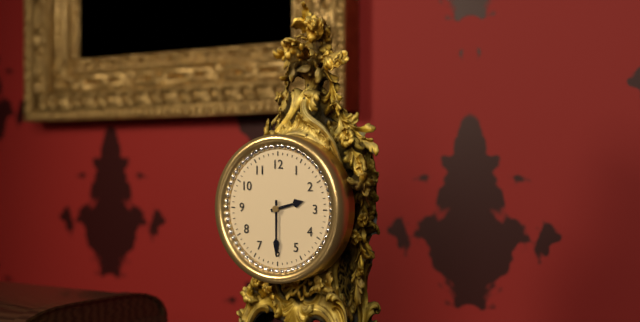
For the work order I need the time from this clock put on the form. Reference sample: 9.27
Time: 2.30
